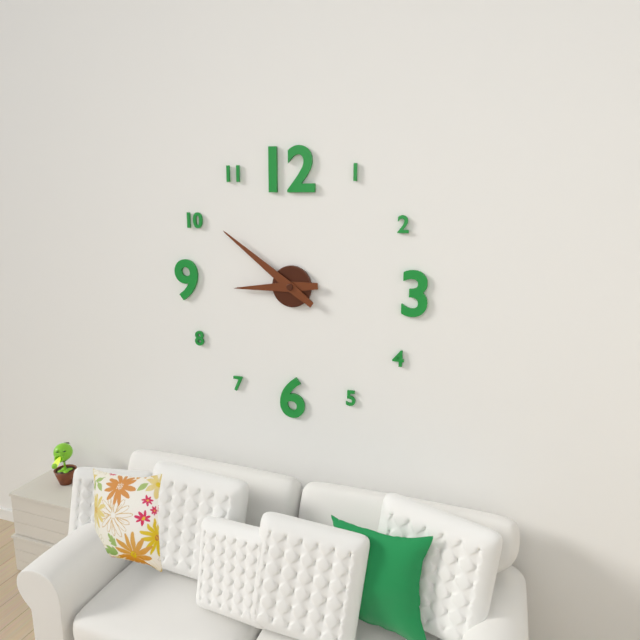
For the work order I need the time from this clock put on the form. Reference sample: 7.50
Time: 8.51
